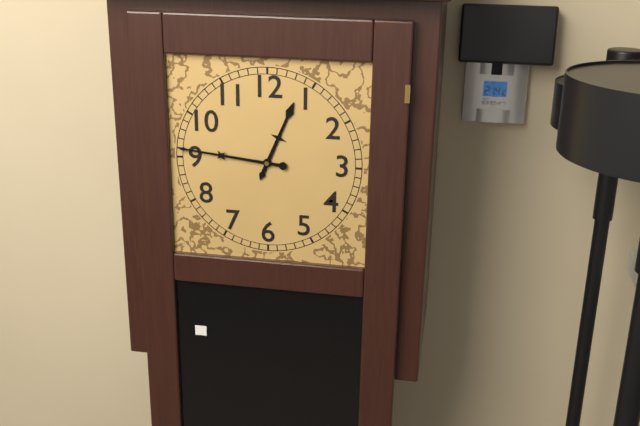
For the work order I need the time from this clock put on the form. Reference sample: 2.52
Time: 12.46
